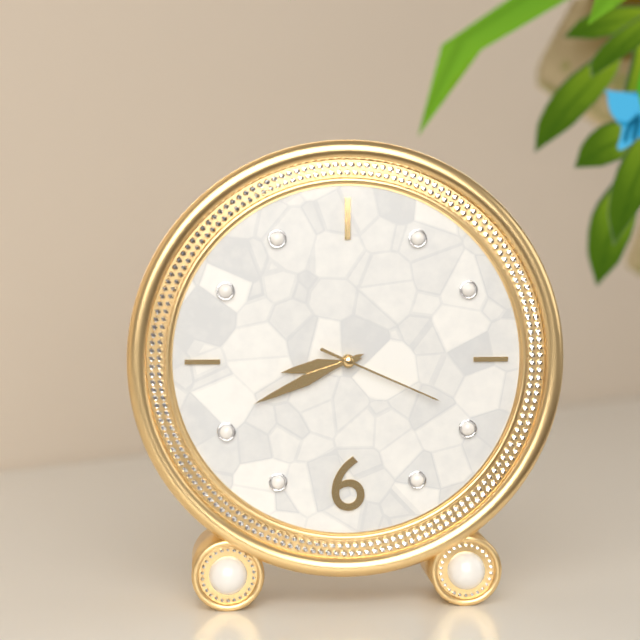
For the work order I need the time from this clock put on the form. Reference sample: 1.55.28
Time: 8.41.19
